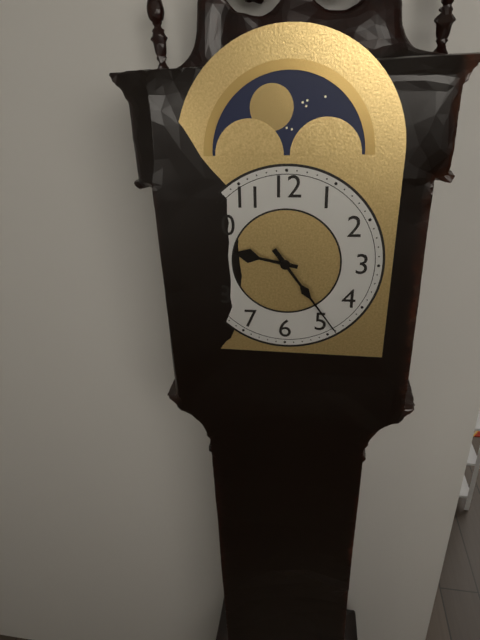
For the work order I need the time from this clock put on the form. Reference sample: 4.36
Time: 9.24
